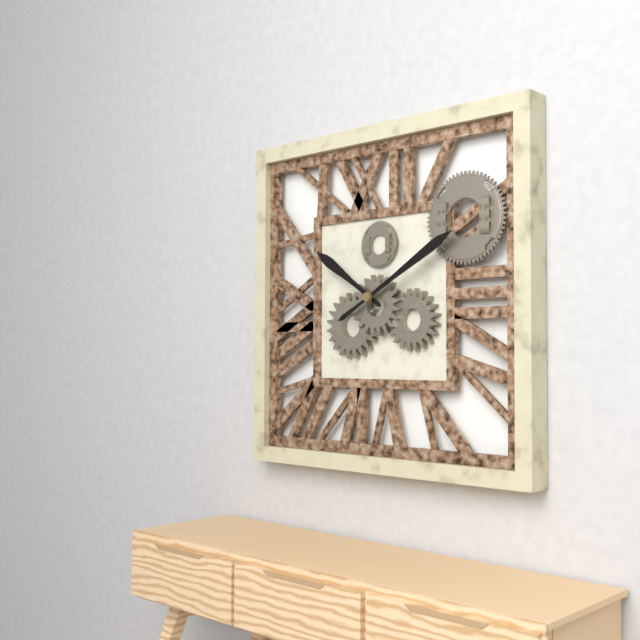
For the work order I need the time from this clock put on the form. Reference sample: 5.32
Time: 10.10
